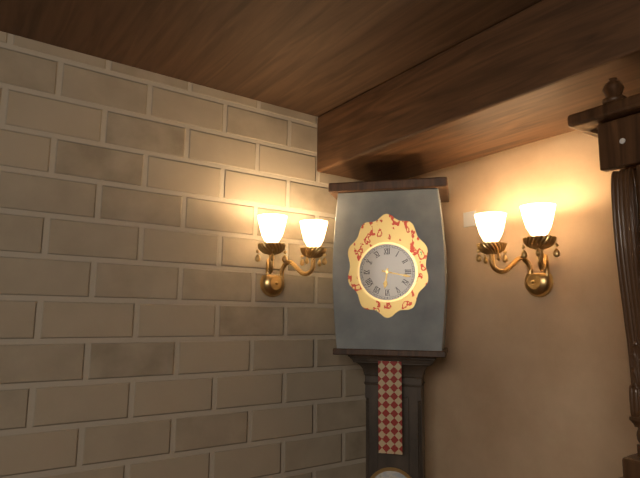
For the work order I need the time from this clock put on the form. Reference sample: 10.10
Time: 6.17
